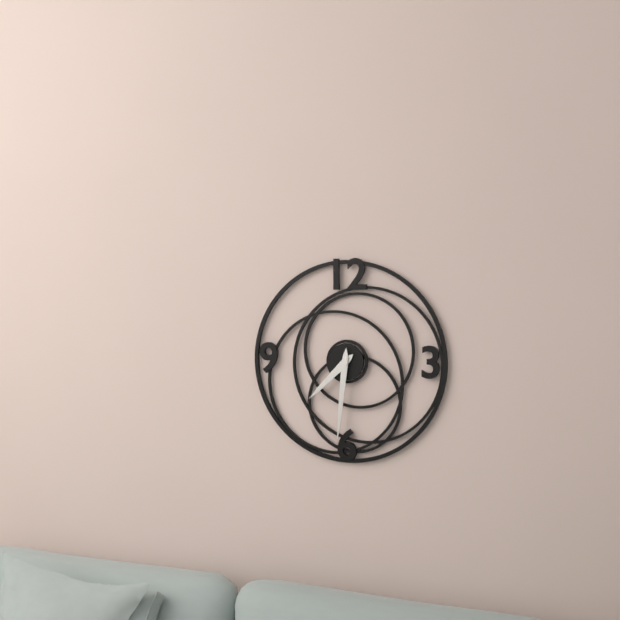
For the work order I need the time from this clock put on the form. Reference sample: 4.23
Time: 7.31
